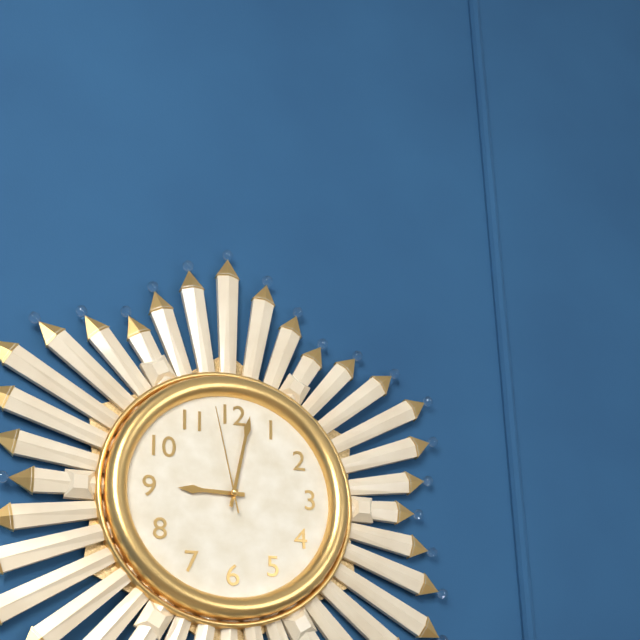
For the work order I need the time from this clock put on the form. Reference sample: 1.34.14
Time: 9.02.58
